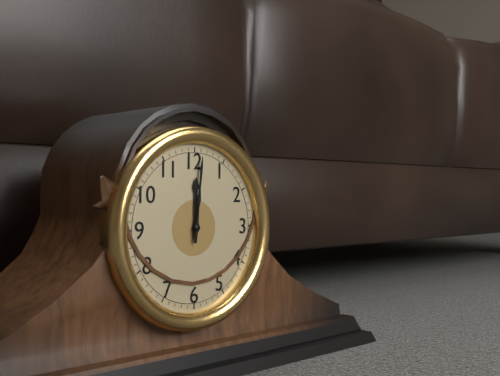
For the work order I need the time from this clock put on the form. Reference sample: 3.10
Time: 12.01
